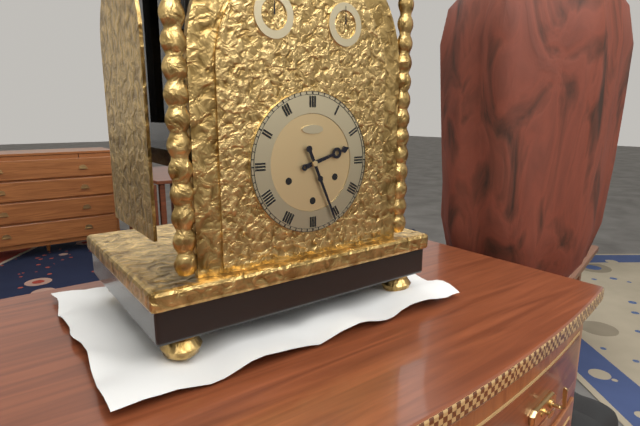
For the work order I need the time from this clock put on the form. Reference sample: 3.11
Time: 2.26
